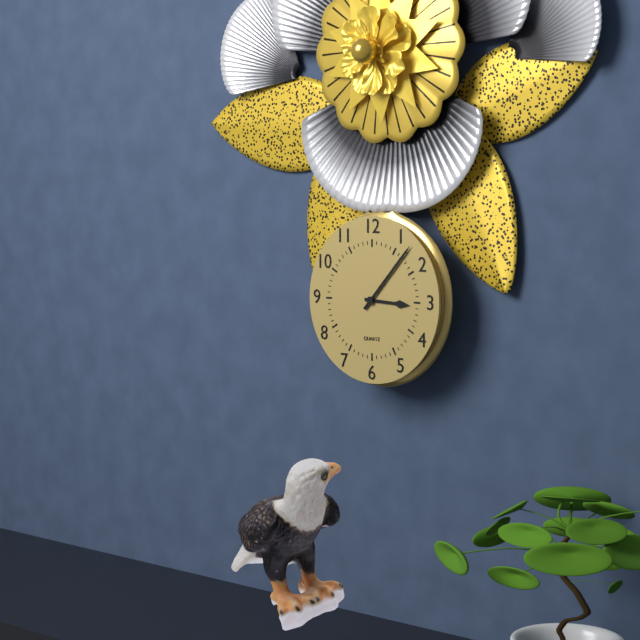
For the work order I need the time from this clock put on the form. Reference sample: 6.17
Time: 3.07
